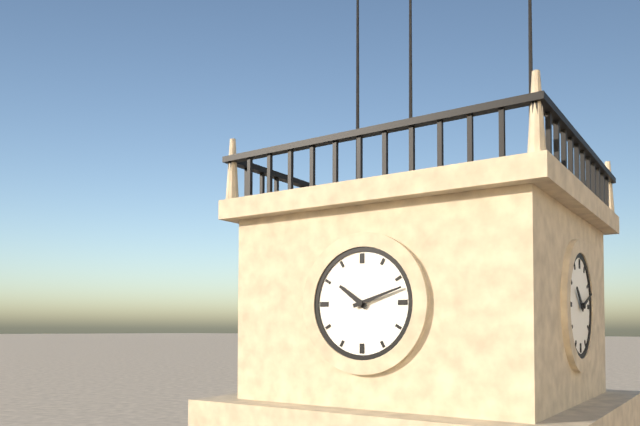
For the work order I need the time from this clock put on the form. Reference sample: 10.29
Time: 10.12
